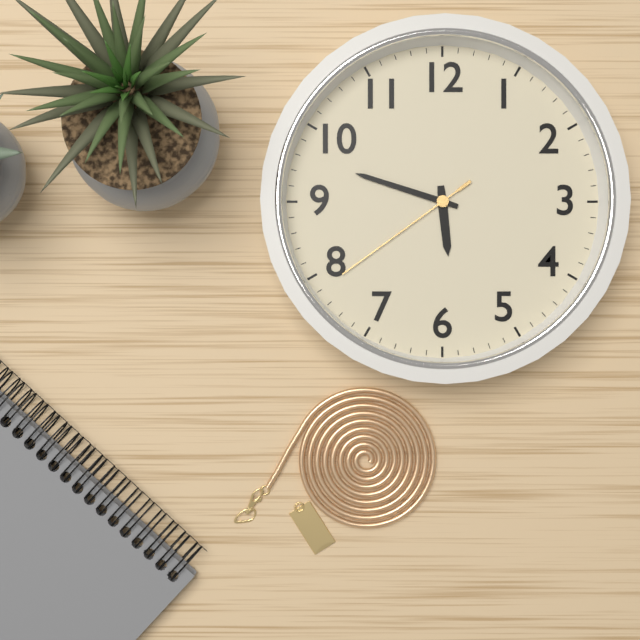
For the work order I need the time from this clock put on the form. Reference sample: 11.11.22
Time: 5.48.39
